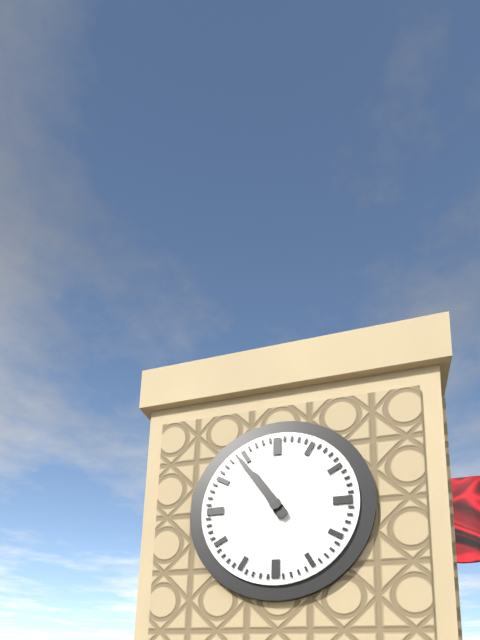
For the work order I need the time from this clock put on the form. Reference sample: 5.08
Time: 10.54
